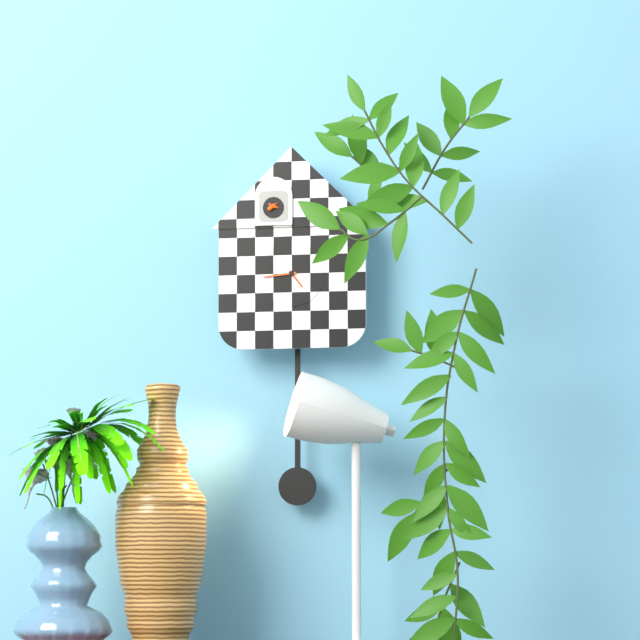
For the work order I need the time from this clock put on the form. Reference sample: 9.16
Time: 4.44
